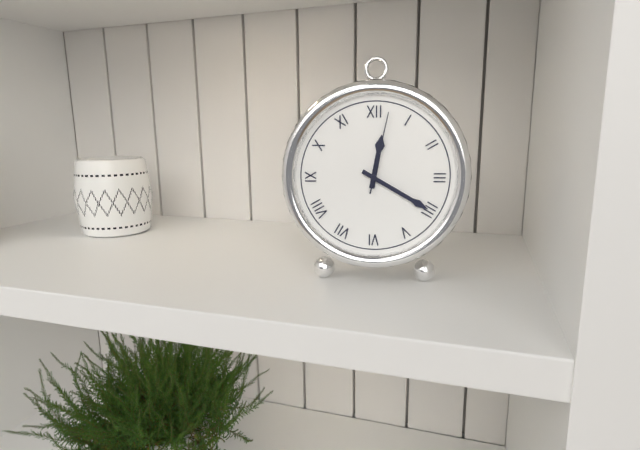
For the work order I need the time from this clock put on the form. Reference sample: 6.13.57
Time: 12.20.02
